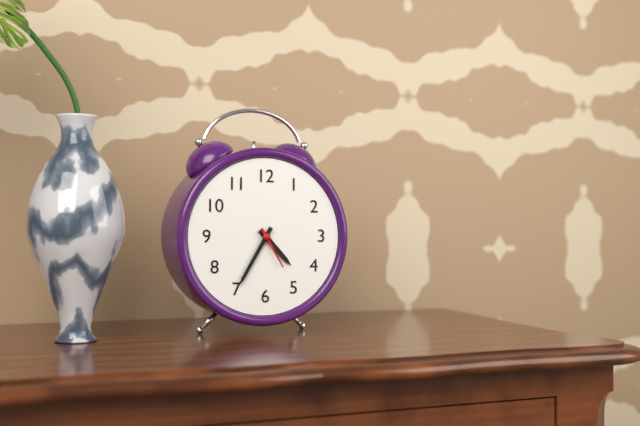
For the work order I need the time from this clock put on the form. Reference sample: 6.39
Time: 4.35
